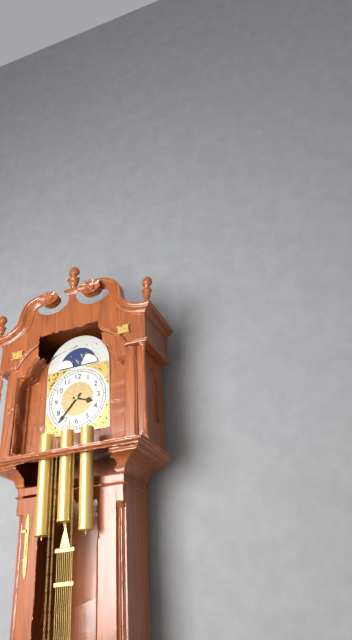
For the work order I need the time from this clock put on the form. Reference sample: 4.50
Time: 3.37
